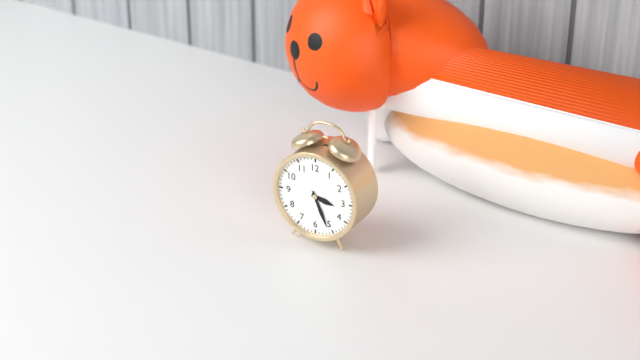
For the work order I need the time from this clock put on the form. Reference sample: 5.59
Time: 3.26
